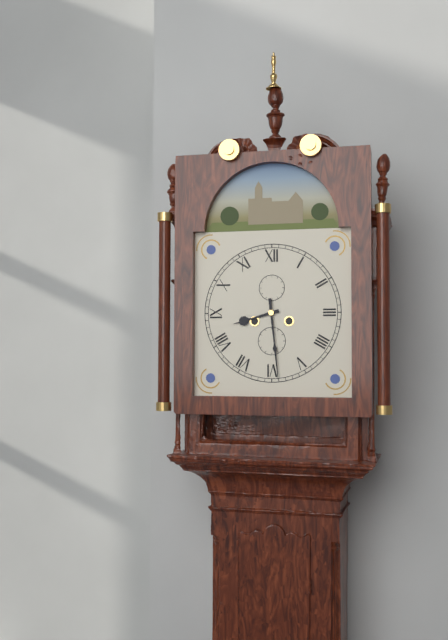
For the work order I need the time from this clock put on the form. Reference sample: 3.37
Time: 8.29
